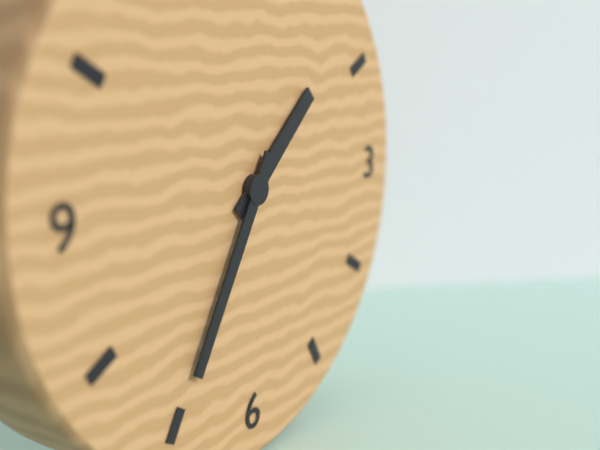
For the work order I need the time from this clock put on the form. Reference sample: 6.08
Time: 1.35
